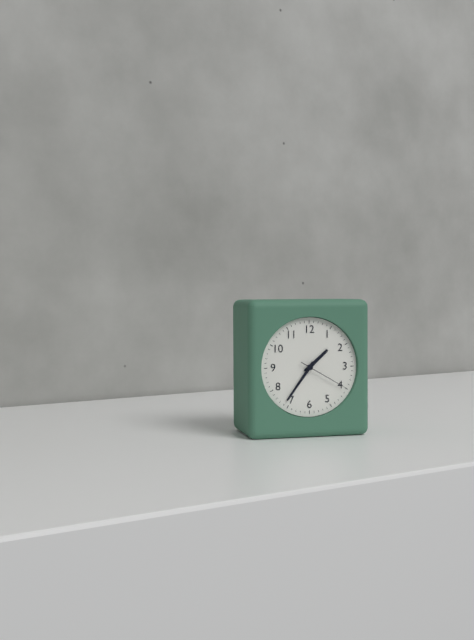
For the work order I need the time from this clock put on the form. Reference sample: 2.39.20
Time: 1.36.20
